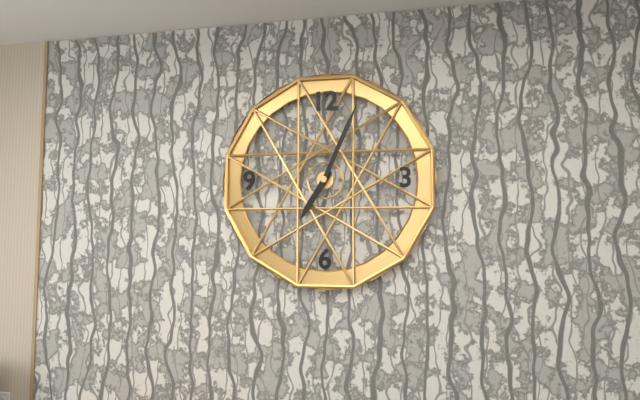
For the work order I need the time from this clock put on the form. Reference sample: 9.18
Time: 7.04
